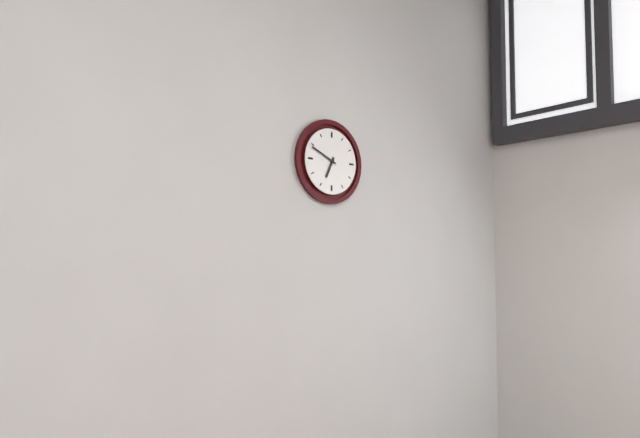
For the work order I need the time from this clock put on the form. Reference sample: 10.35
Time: 6.49
